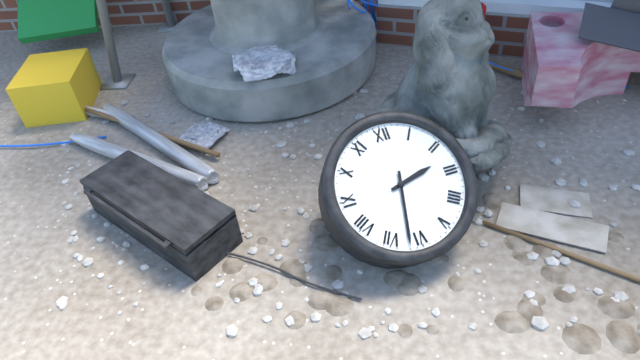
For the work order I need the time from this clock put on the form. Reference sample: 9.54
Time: 2.32
